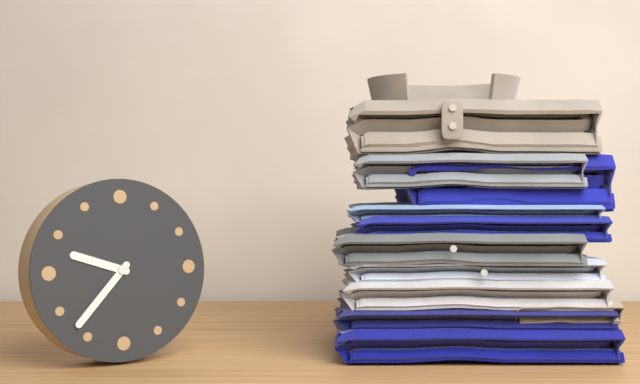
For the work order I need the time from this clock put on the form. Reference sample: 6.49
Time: 9.37
